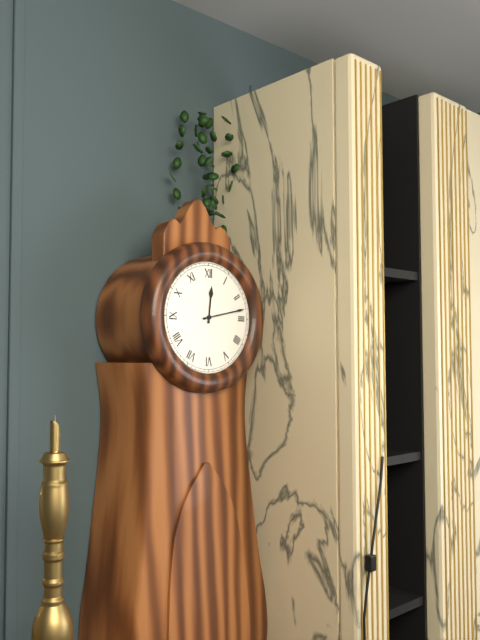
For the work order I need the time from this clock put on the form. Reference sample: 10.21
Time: 12.13
